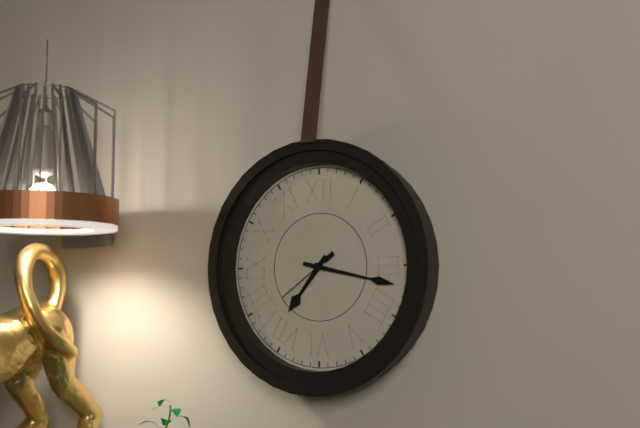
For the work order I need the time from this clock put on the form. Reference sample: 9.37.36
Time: 7.17.39
